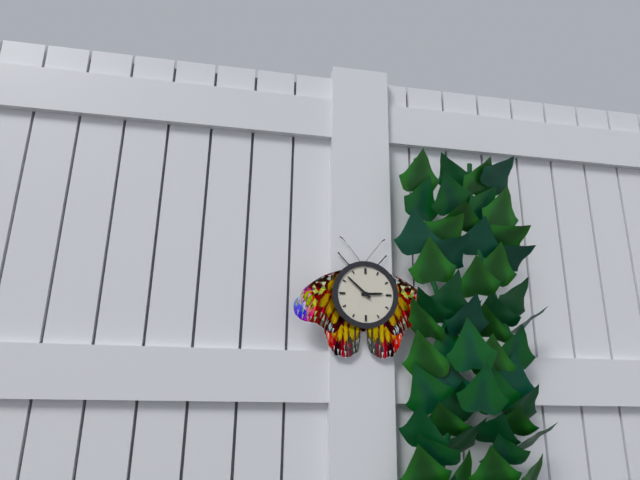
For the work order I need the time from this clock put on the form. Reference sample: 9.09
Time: 2.52
